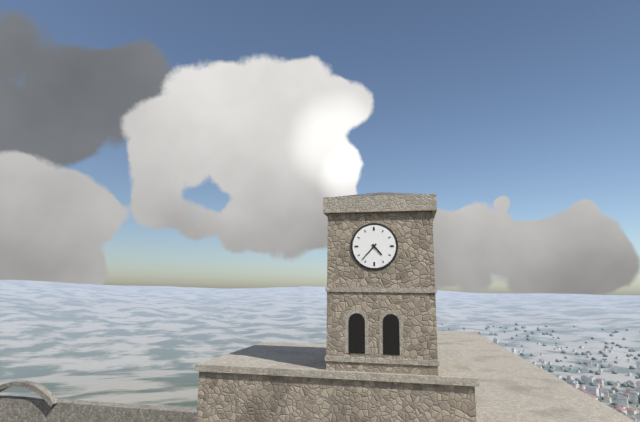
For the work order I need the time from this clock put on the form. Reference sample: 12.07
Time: 4.37
